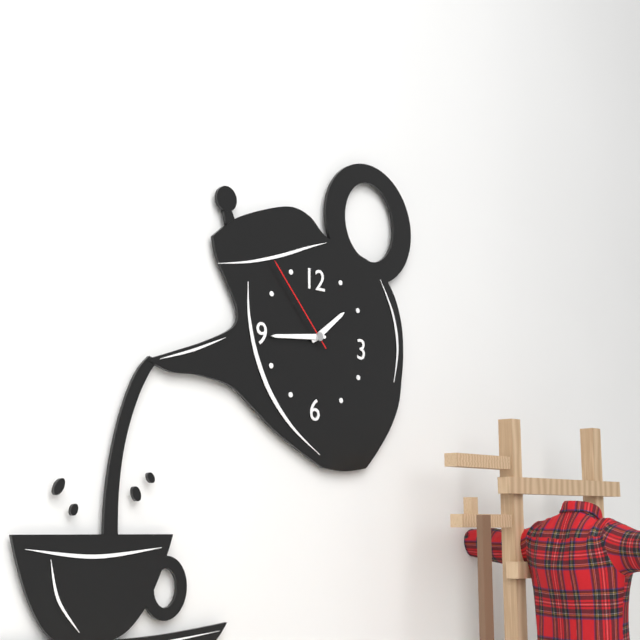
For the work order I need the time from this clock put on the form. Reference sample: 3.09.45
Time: 1.44.53
